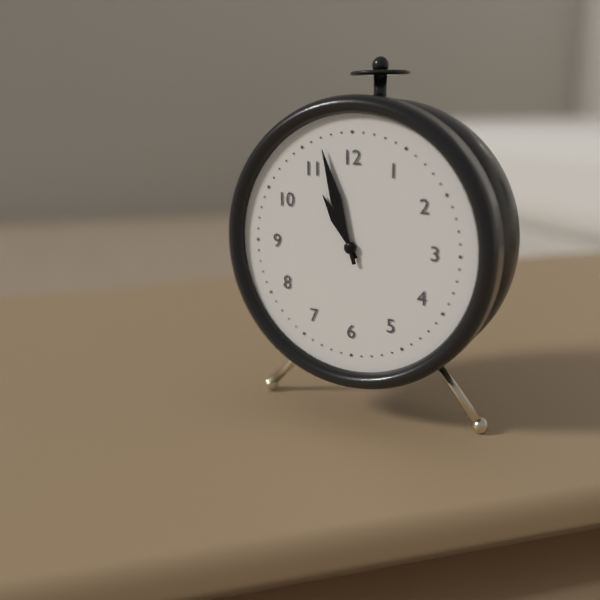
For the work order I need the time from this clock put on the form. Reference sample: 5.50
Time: 10.57
